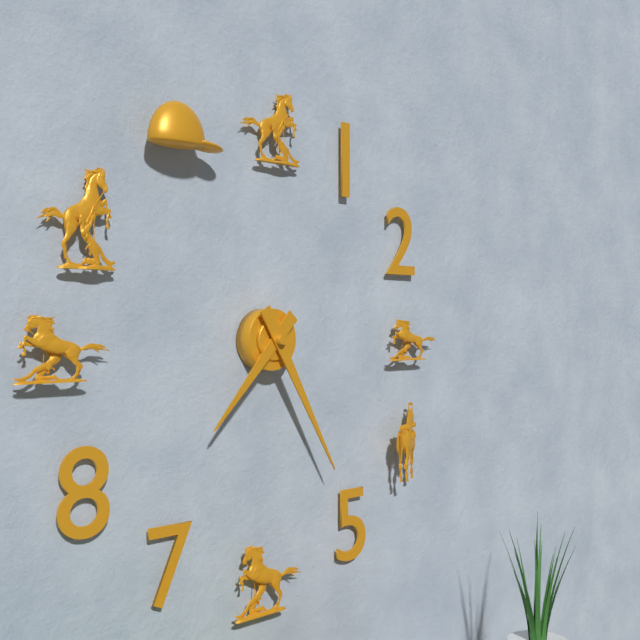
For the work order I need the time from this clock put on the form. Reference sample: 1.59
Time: 7.25
